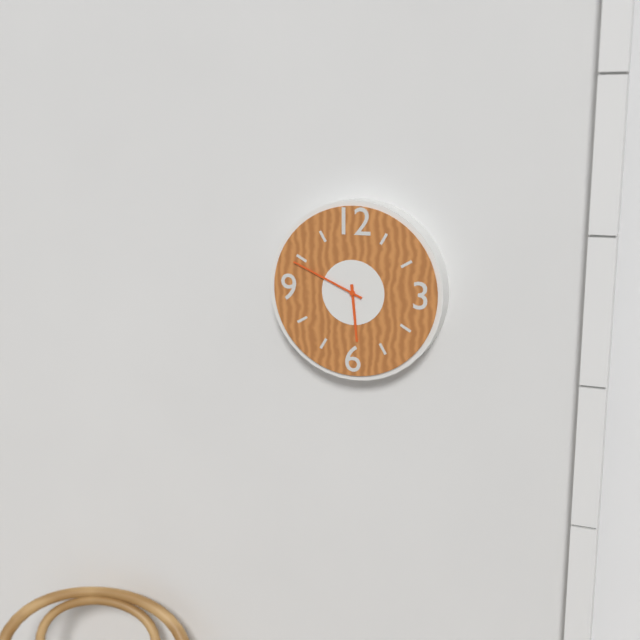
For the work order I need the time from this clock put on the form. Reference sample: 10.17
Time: 5.49
